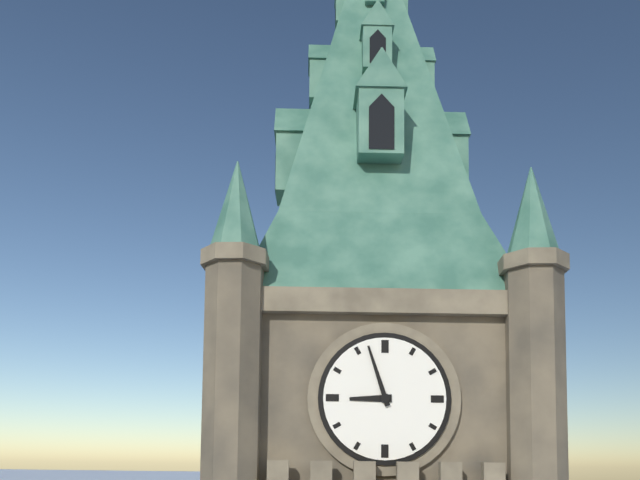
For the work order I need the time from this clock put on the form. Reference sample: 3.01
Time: 8.57
